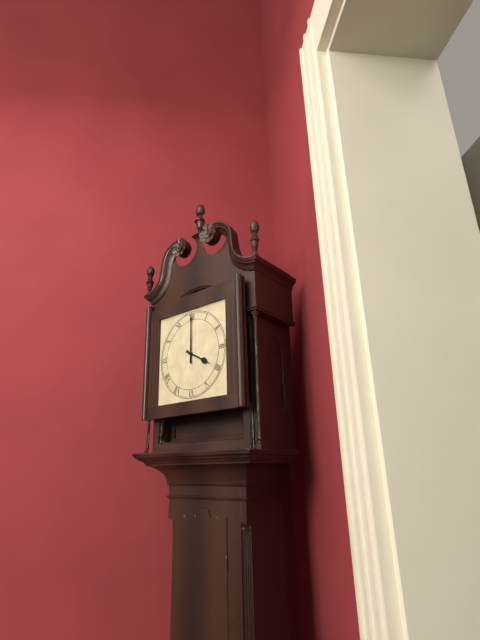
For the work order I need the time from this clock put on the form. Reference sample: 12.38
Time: 4.00
